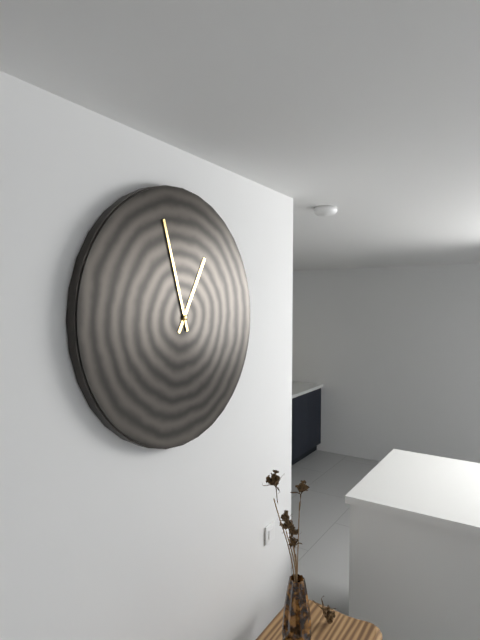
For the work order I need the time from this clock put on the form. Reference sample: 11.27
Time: 12.57
